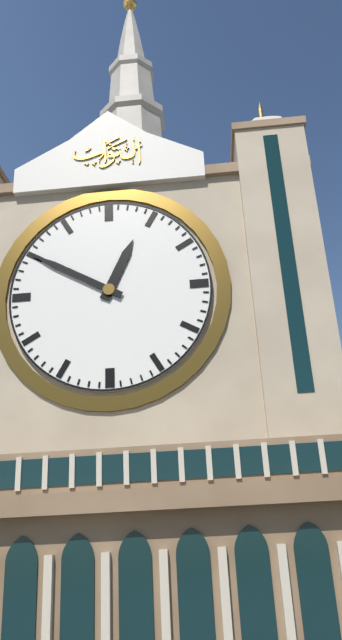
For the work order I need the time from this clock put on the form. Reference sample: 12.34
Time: 12.50
